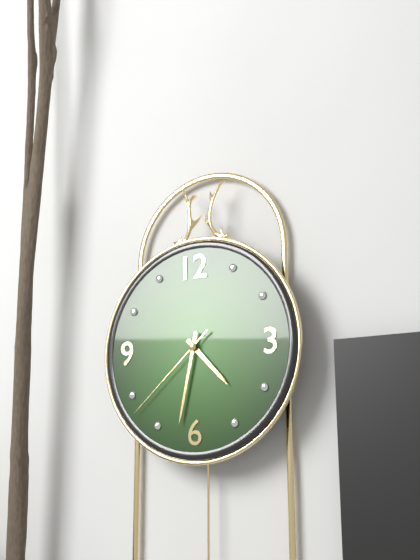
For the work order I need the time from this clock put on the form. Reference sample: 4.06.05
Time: 4.32.38
